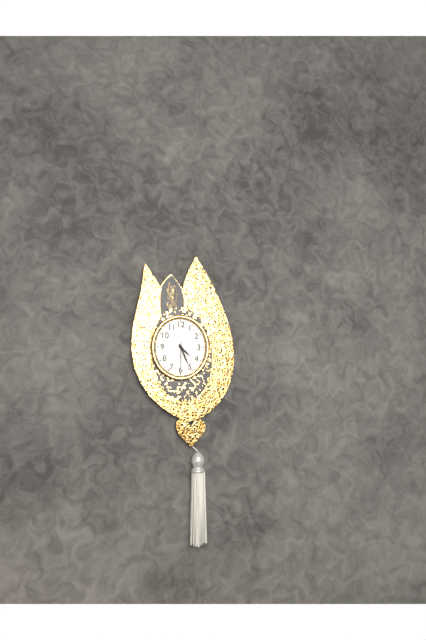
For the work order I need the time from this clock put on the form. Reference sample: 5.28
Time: 4.26
